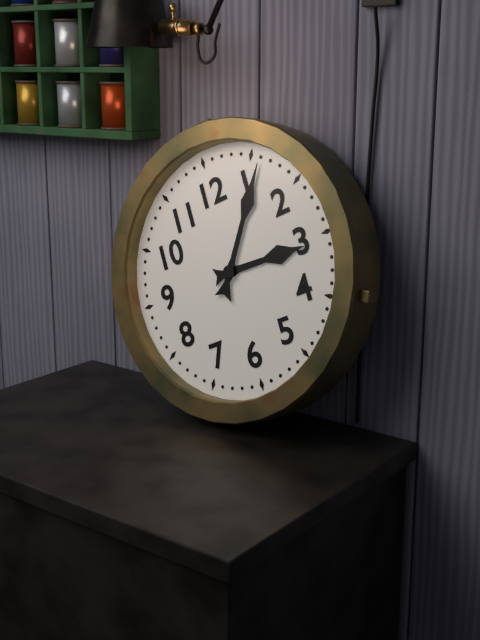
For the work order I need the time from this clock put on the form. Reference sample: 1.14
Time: 3.06
